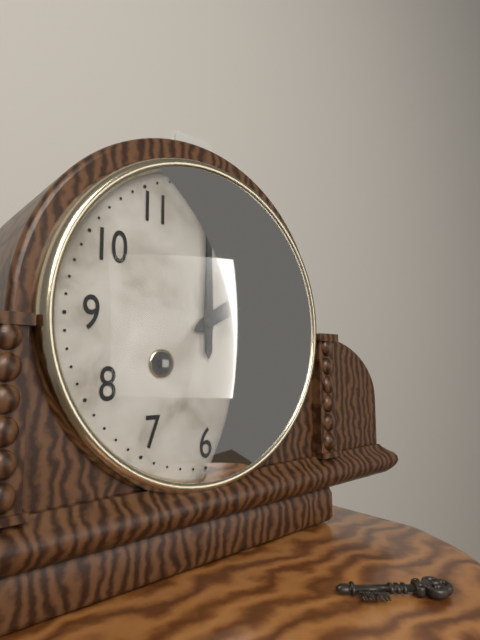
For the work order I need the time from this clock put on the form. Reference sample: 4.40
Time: 2.00
